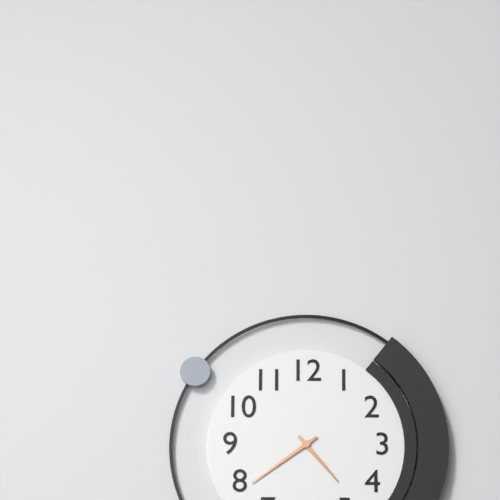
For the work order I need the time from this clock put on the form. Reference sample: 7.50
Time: 4.39
